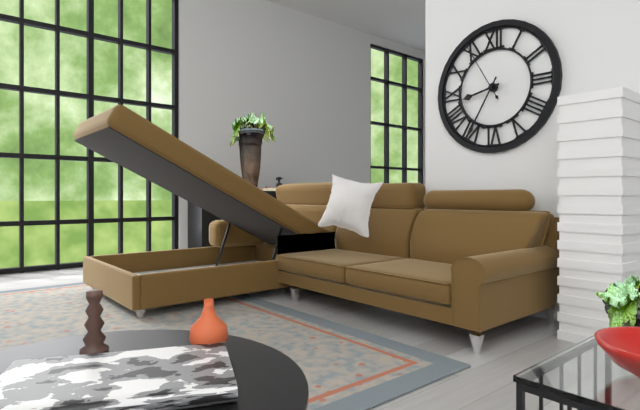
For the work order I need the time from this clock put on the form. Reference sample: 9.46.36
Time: 8.35.55
